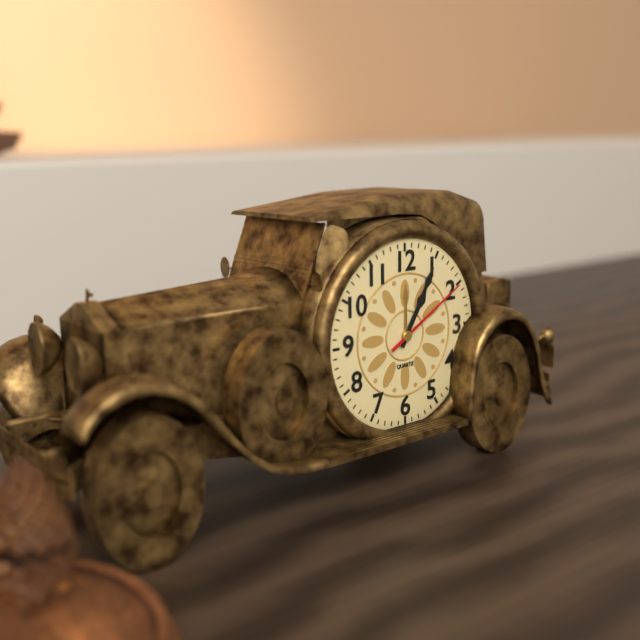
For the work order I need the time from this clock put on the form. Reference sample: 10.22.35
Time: 1.05.10
